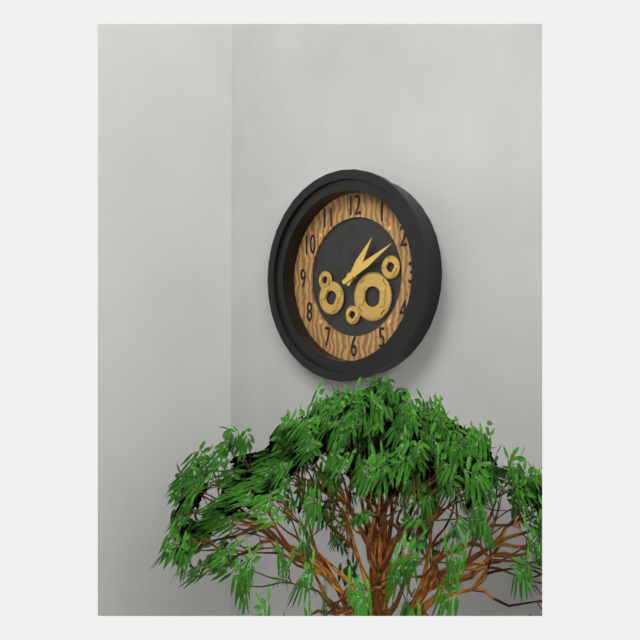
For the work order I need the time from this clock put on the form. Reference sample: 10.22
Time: 1.10
